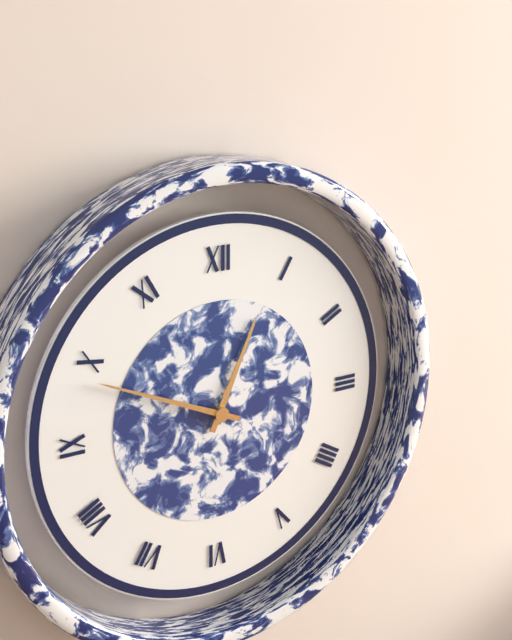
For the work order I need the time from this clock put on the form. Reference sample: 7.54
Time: 12.49
